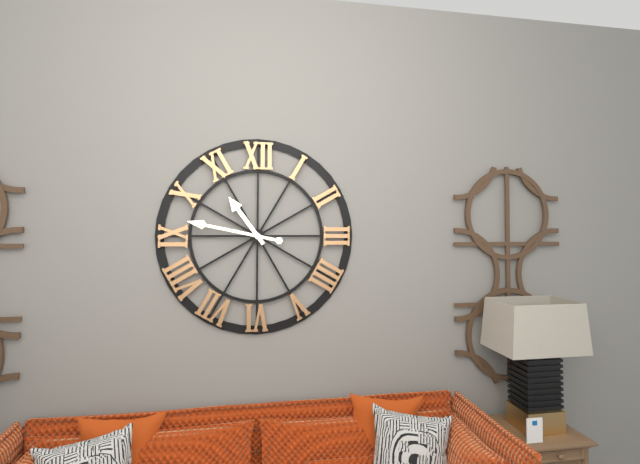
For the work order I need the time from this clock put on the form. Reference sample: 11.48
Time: 10.47
